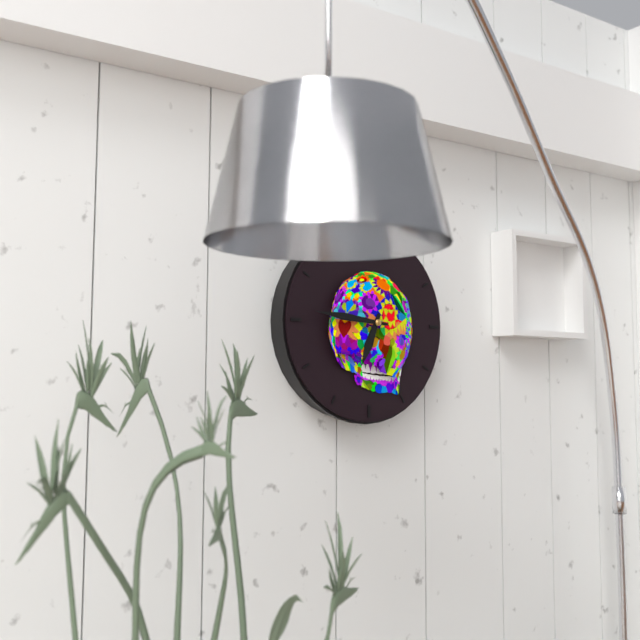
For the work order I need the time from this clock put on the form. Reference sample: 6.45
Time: 6.46
